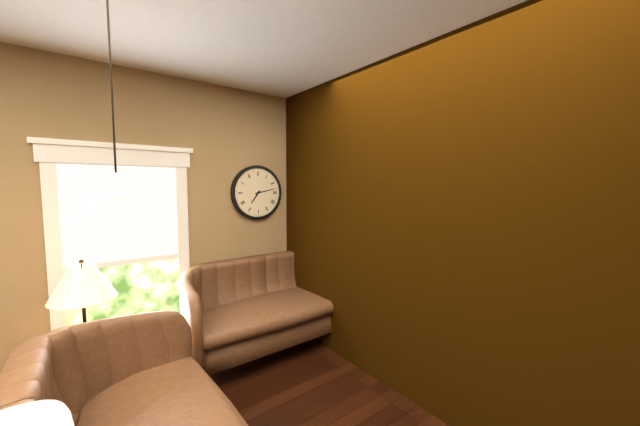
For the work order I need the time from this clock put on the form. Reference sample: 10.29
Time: 7.13
